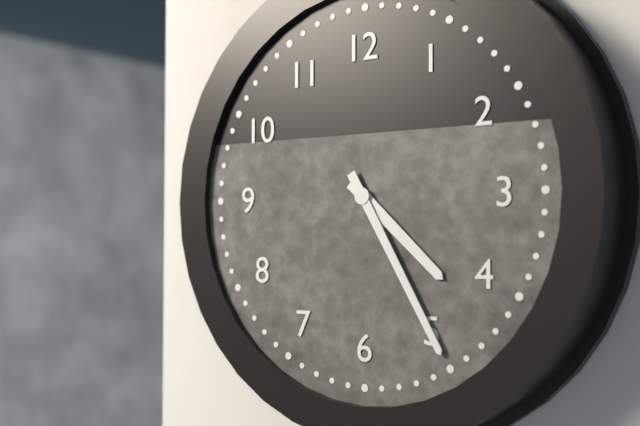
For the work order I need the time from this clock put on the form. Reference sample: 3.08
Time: 4.25
